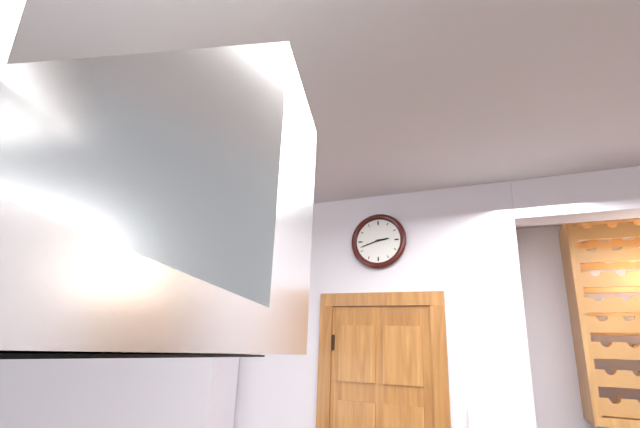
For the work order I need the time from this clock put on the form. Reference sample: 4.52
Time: 2.42
